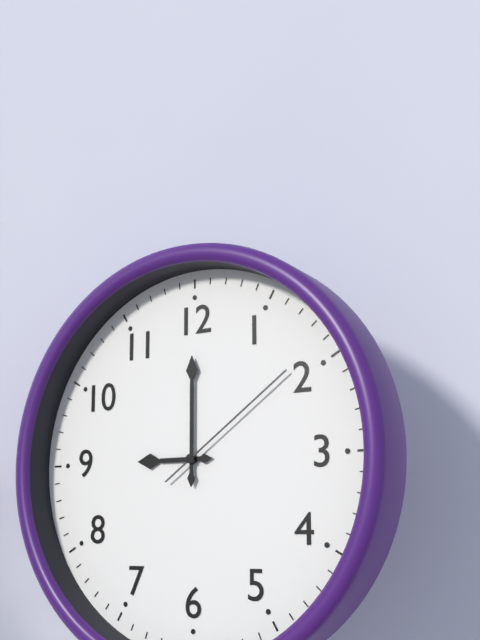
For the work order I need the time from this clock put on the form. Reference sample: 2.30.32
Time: 9.00.09
